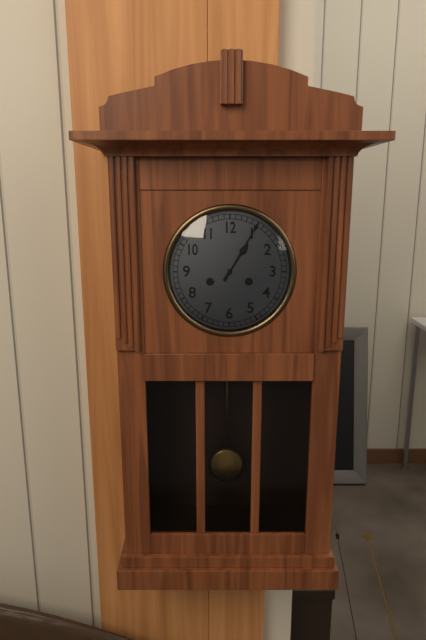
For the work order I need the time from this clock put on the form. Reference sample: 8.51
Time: 1.05
